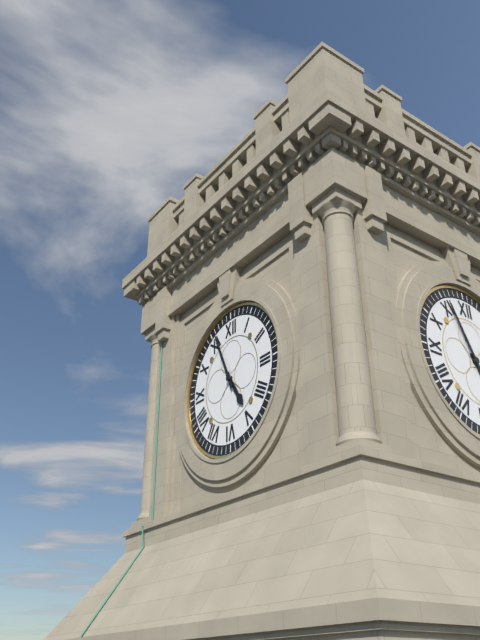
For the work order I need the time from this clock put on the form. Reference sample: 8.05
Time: 4.56
